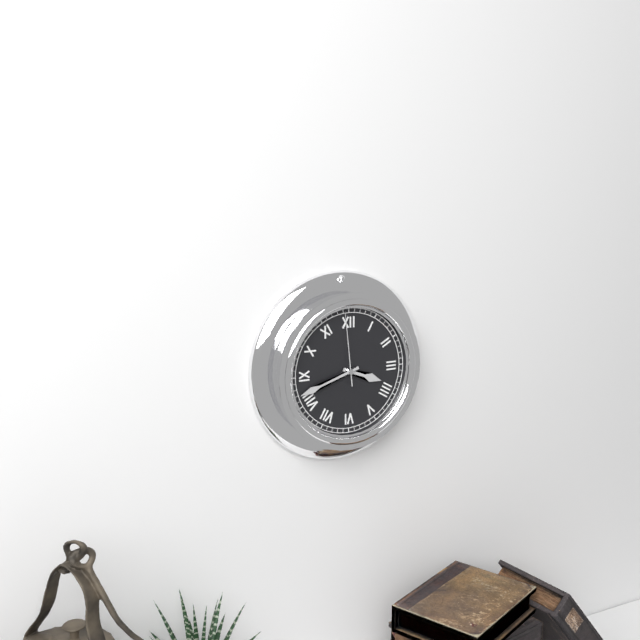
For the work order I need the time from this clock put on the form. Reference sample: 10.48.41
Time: 3.42.59
